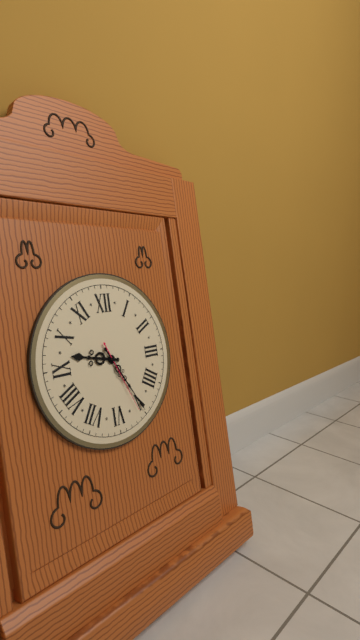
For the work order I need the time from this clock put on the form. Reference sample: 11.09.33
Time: 9.25.26
